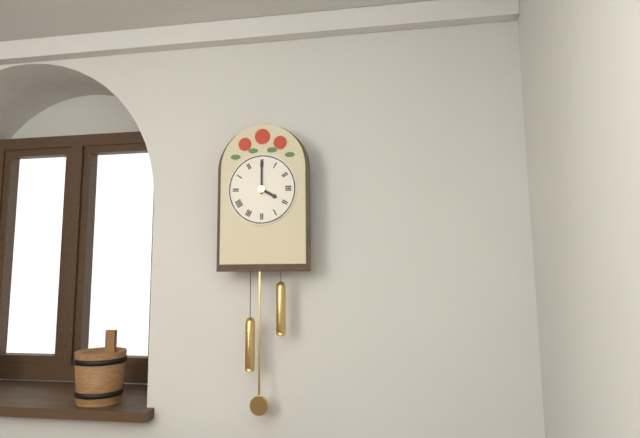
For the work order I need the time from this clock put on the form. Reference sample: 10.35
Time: 4.00
